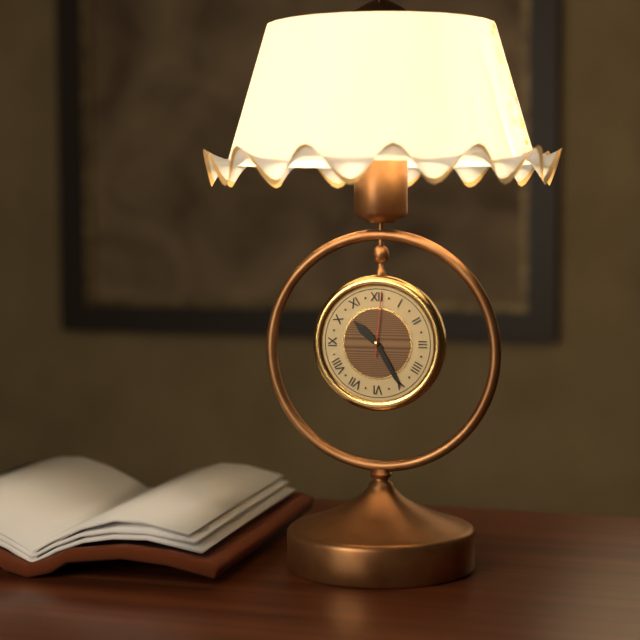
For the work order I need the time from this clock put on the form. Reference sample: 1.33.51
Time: 10.25.01
